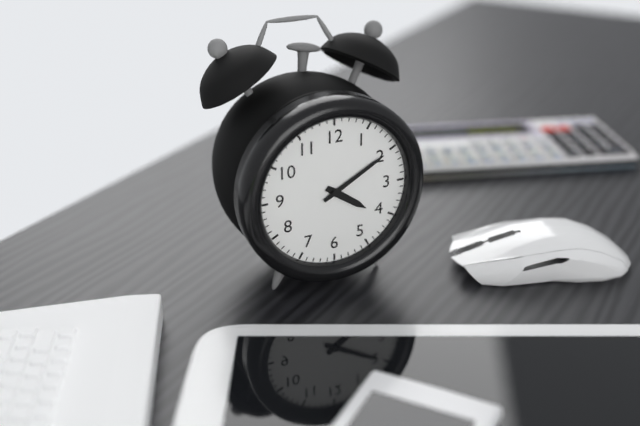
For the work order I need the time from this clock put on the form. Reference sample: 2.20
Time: 4.10
